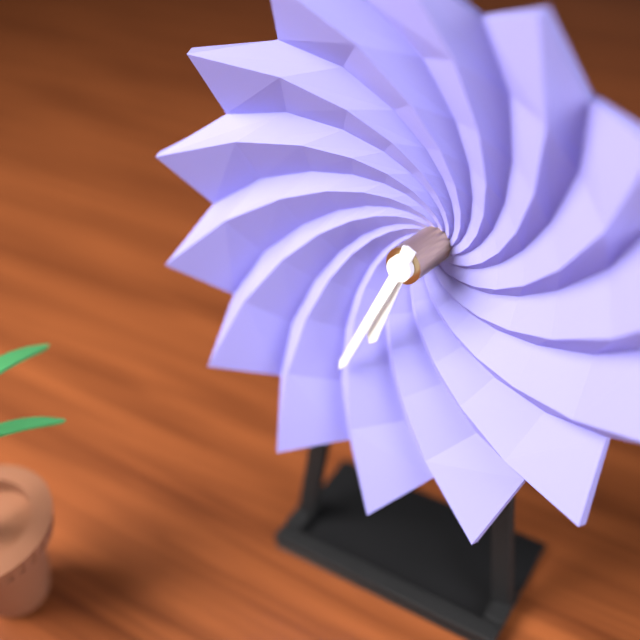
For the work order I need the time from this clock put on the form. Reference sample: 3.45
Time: 6.34
